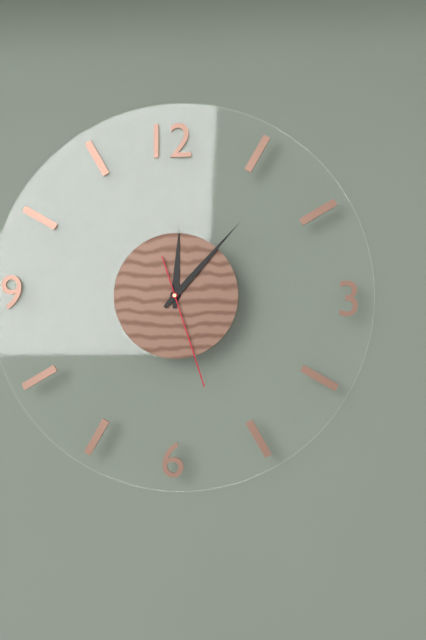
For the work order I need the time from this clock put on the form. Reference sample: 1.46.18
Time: 12.07.27
